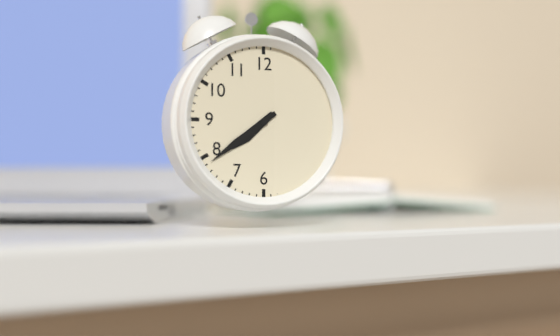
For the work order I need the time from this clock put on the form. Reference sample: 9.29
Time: 7.39
